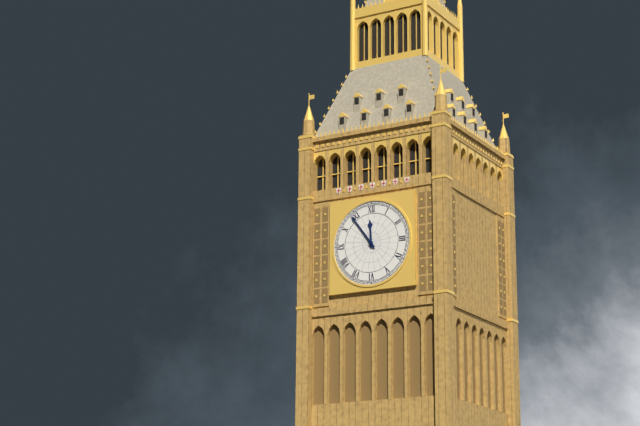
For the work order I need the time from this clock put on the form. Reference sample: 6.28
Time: 11.54
